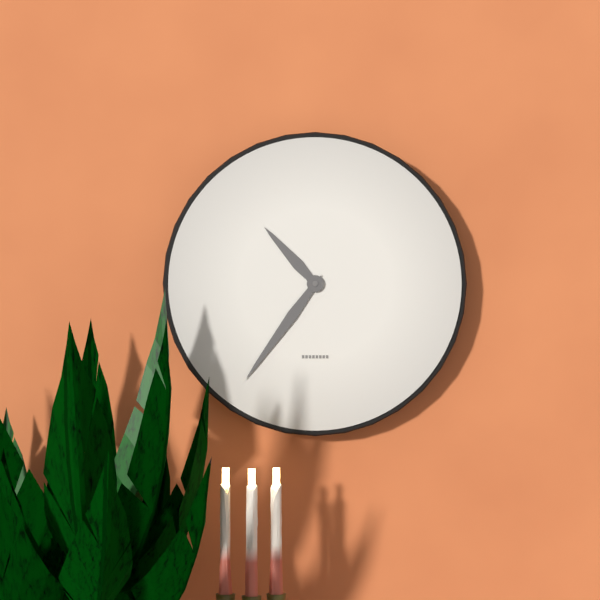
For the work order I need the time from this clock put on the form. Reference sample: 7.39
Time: 10.36
